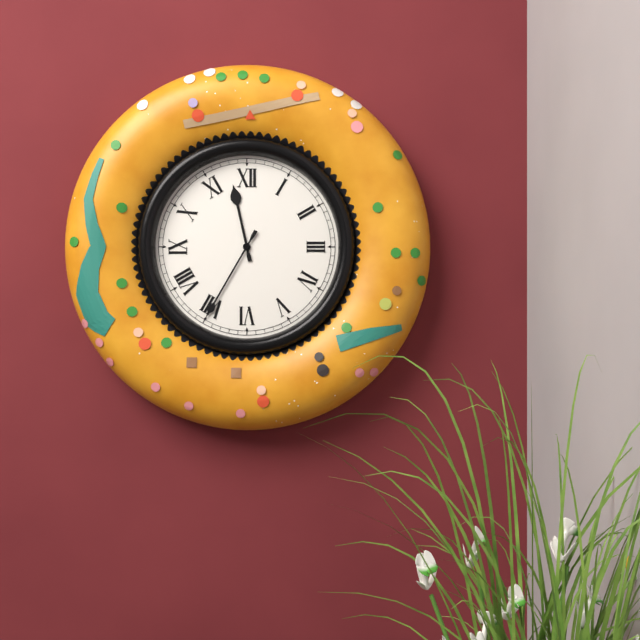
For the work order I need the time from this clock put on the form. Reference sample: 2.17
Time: 11.35
